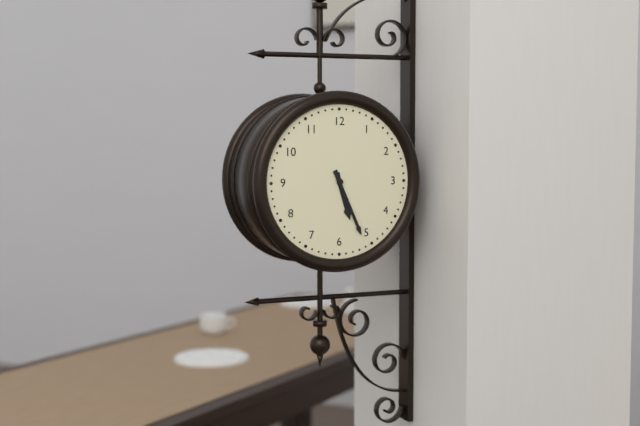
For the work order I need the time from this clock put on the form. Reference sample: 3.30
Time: 5.26
